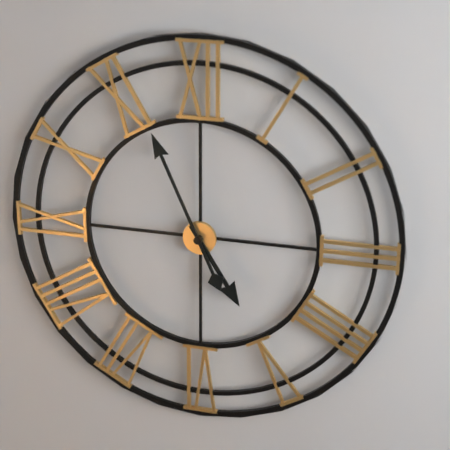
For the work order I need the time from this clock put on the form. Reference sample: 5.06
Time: 4.56
